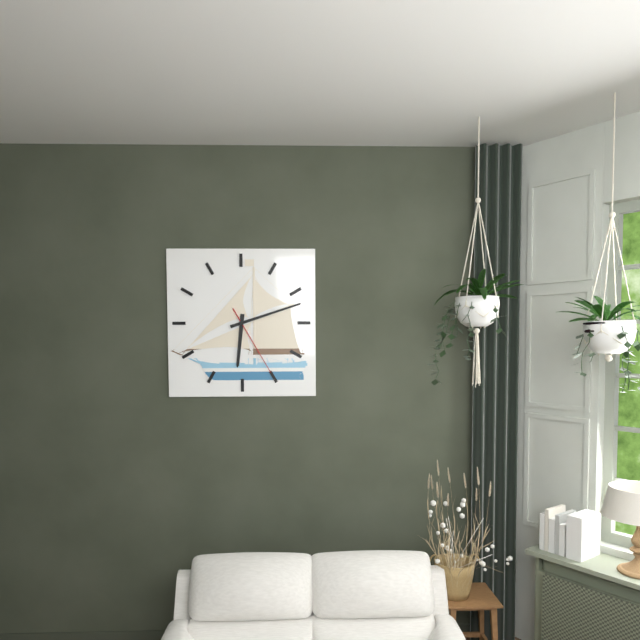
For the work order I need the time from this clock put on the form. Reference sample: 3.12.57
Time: 6.12.25
